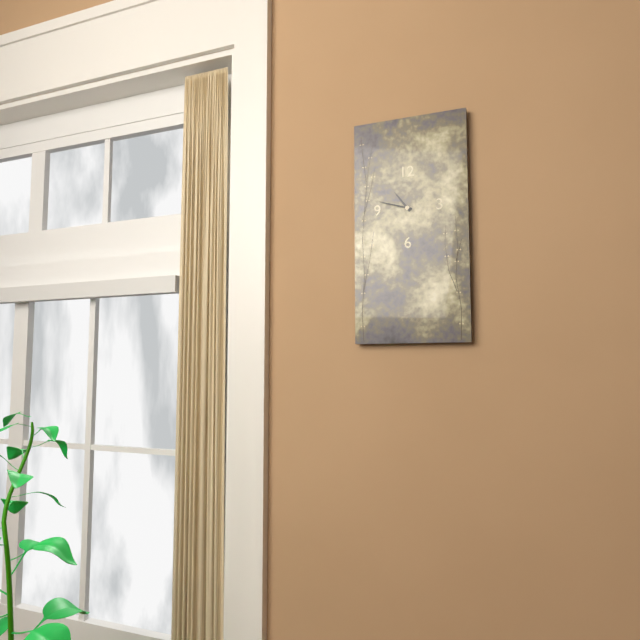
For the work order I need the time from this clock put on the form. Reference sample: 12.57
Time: 10.48
